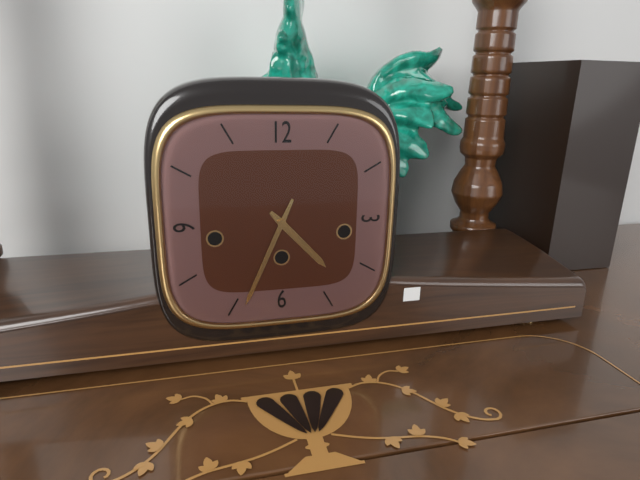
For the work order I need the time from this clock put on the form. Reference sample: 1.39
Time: 4.34
